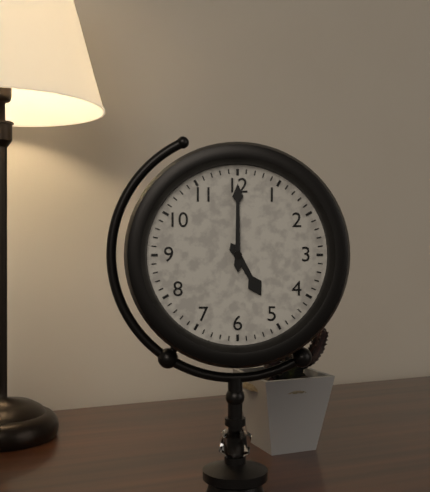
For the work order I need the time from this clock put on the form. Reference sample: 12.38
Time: 5.00
